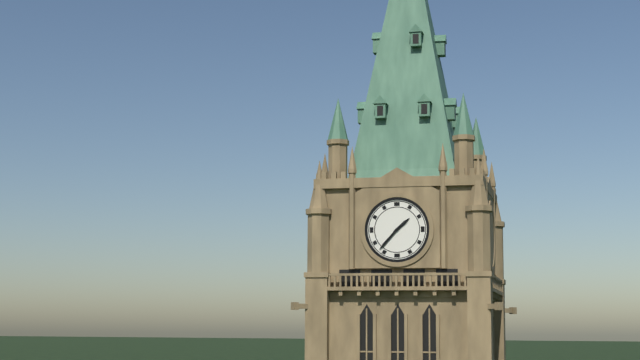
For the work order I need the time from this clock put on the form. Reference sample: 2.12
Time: 1.37
